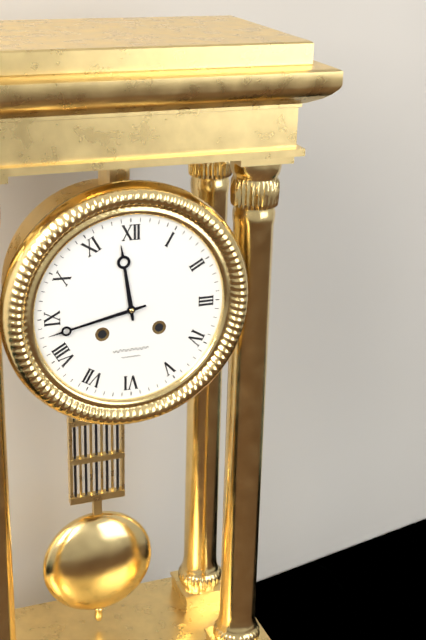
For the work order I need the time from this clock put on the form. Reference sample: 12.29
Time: 11.43
